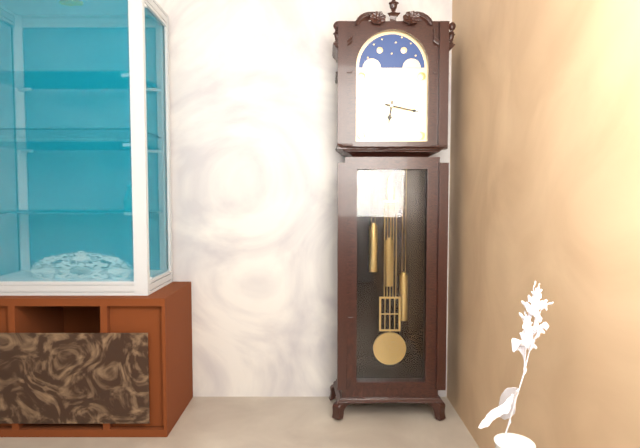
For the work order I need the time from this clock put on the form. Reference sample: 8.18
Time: 6.17
